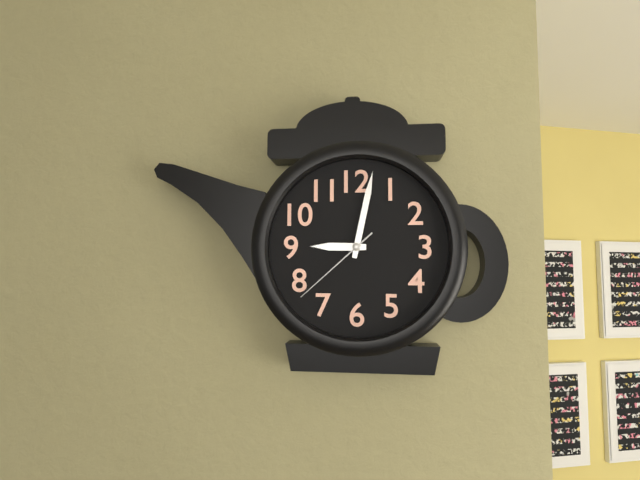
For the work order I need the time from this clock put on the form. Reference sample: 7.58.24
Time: 9.02.38
